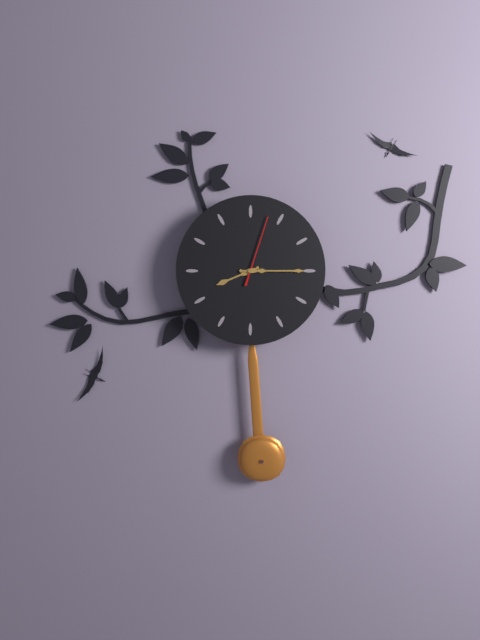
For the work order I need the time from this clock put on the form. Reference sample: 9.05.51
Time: 8.15.03
